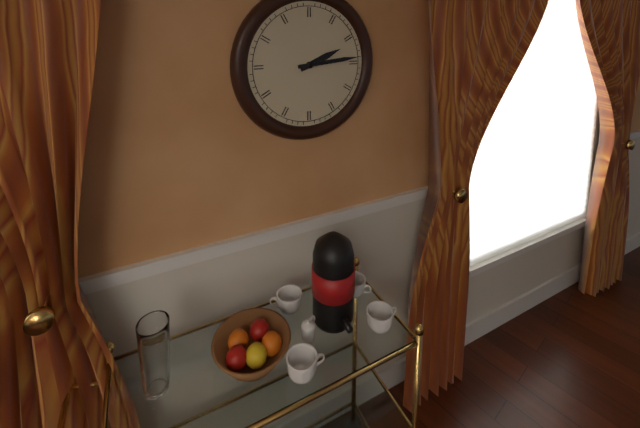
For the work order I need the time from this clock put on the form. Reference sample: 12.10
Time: 2.14
